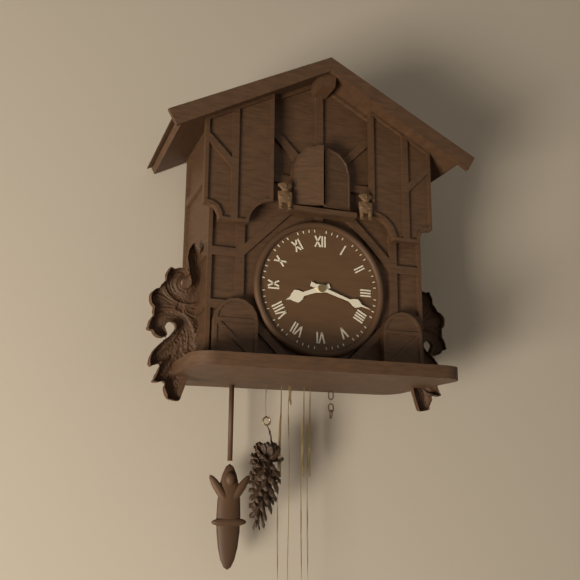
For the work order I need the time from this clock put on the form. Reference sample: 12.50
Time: 8.18
